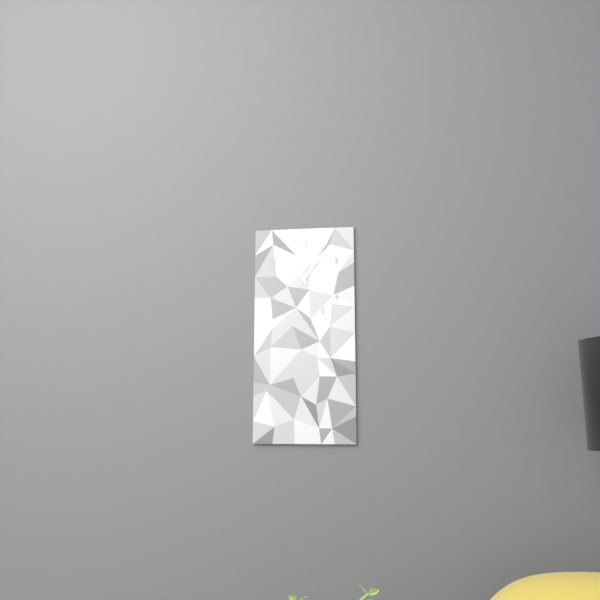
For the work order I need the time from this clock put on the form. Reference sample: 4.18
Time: 11.06
